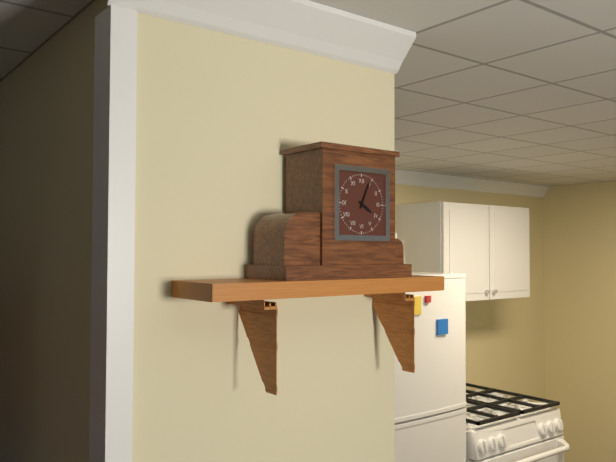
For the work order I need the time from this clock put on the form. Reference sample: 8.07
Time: 4.04
